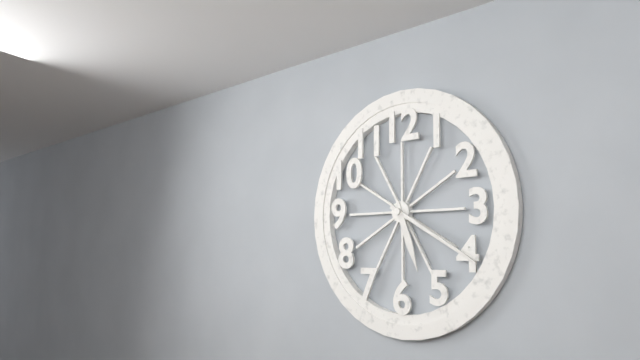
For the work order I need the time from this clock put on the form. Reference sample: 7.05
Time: 5.20
